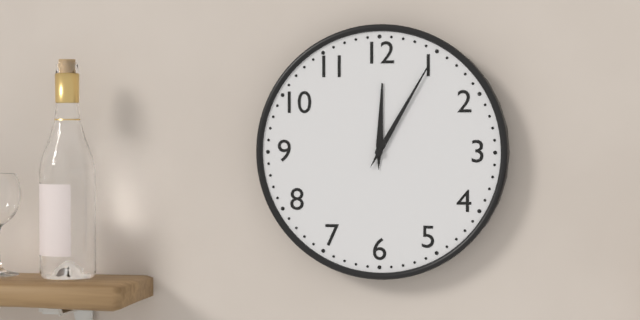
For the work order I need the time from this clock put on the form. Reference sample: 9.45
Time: 12.05
